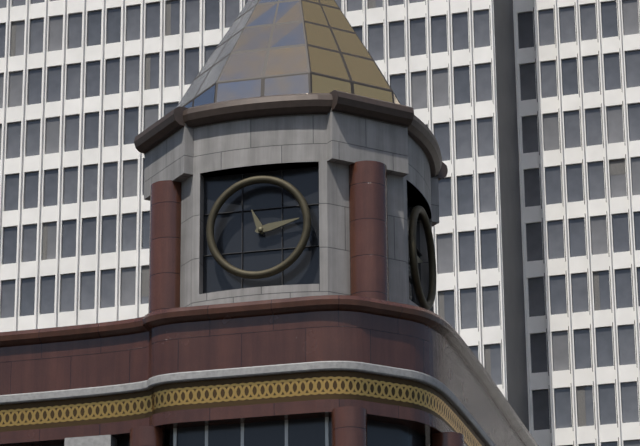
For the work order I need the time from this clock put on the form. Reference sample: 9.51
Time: 11.13
